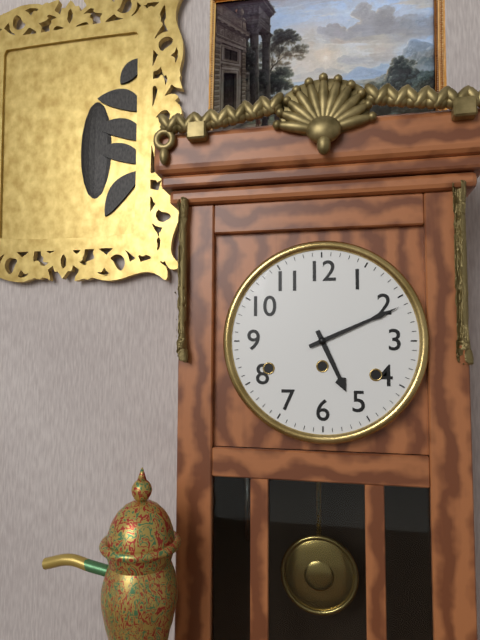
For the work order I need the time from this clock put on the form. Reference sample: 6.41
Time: 5.11
